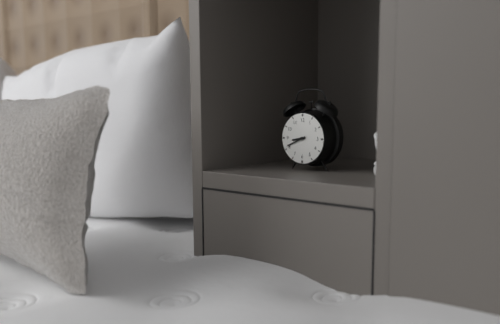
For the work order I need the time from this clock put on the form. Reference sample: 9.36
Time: 8.41
